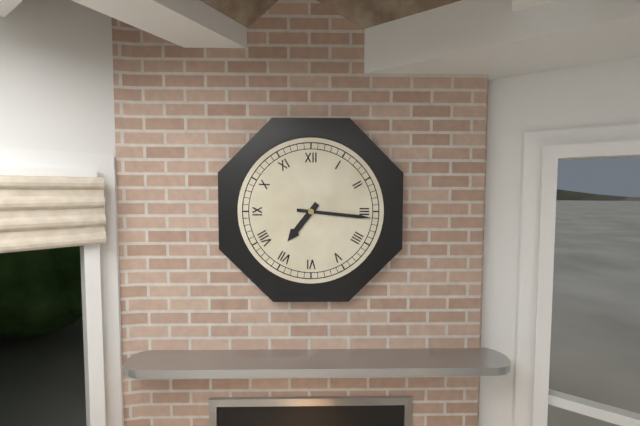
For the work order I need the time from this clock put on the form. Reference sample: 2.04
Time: 7.16
